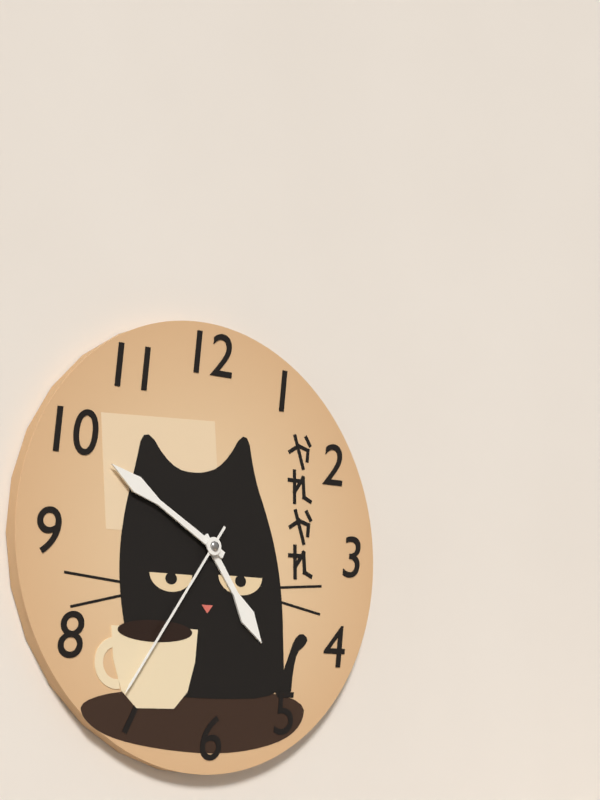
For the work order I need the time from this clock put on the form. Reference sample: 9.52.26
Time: 4.50.36
